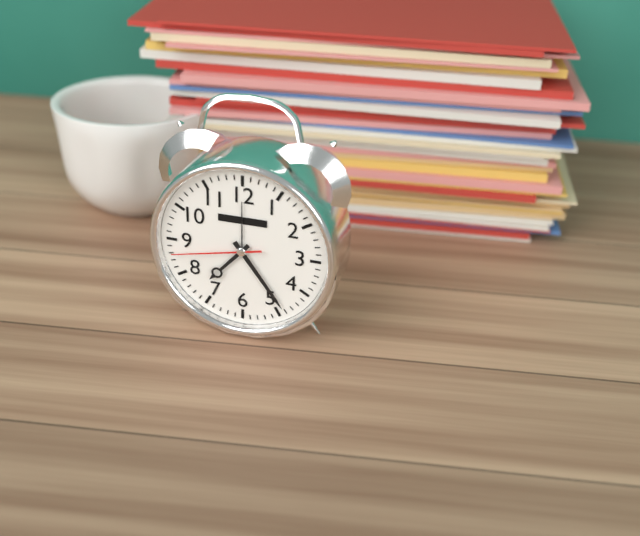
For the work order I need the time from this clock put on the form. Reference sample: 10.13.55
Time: 7.24.43
